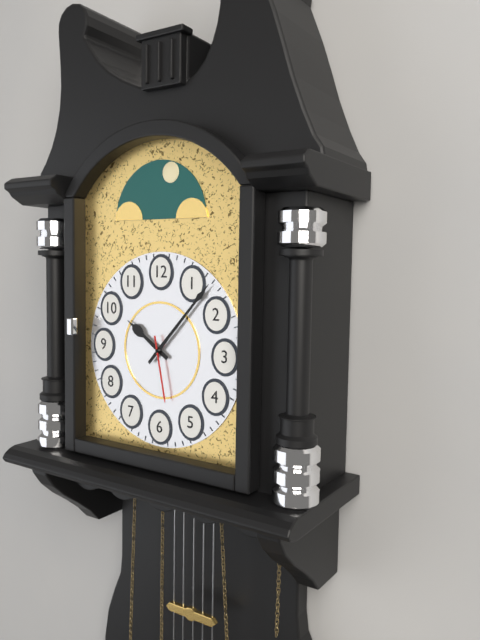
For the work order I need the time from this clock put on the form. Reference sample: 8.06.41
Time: 10.07.28
